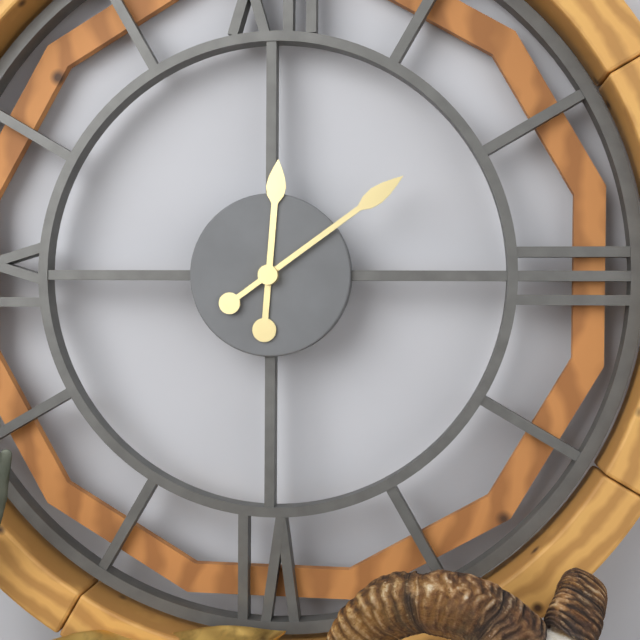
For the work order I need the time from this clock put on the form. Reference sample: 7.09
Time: 12.09
